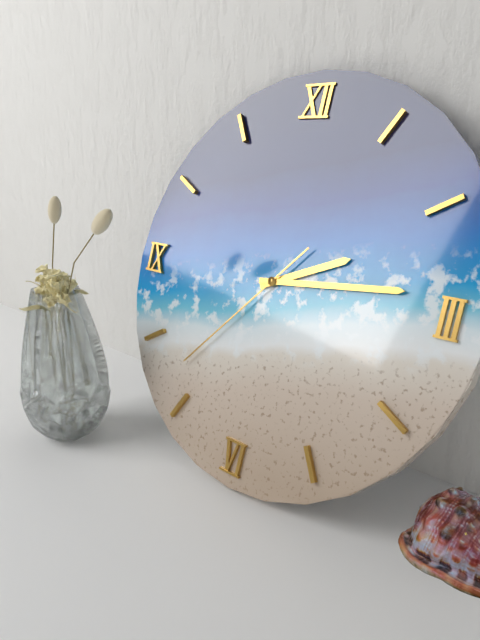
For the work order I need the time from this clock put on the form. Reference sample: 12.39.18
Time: 2.14.37
